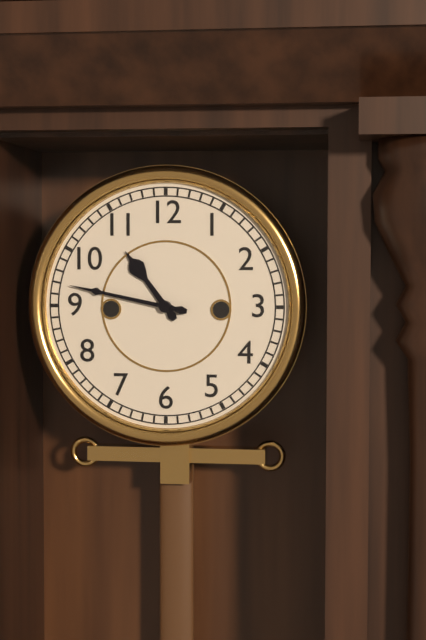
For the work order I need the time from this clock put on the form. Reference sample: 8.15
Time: 10.47
